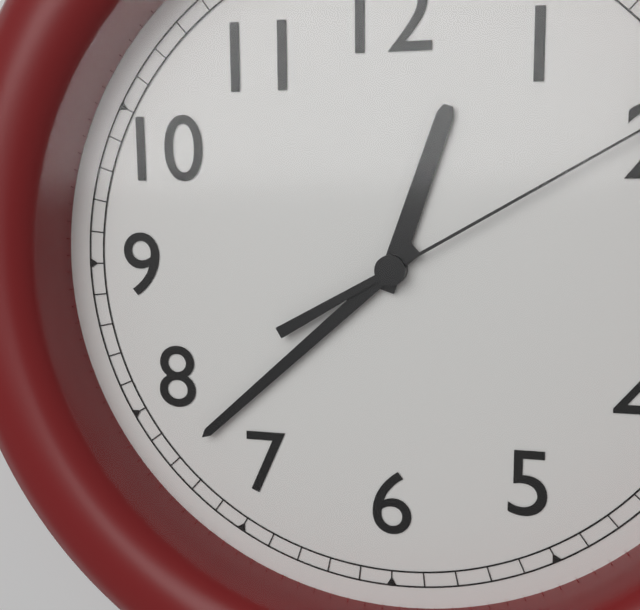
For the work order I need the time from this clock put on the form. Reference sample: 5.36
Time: 12.38
